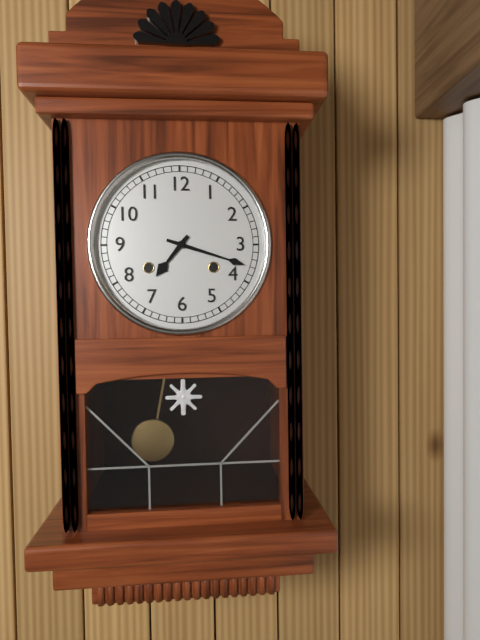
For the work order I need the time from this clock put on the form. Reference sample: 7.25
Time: 7.18
